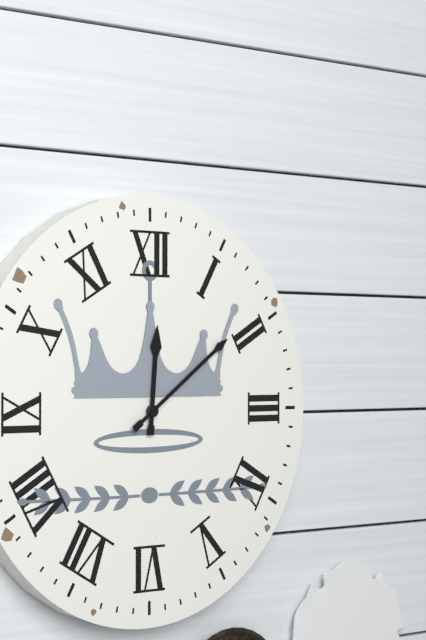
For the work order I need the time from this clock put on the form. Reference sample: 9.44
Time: 12.09
